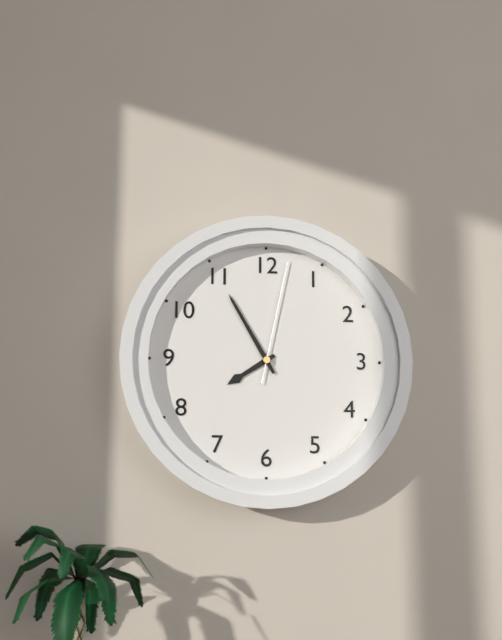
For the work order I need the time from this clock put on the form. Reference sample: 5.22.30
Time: 7.55.02
